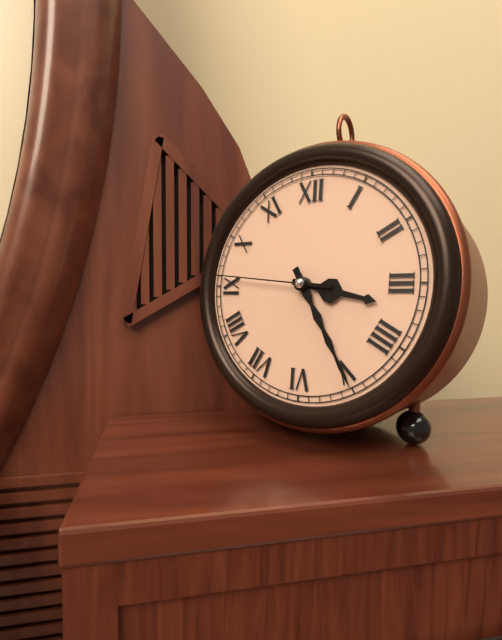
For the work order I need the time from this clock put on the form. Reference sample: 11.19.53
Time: 3.25.46
